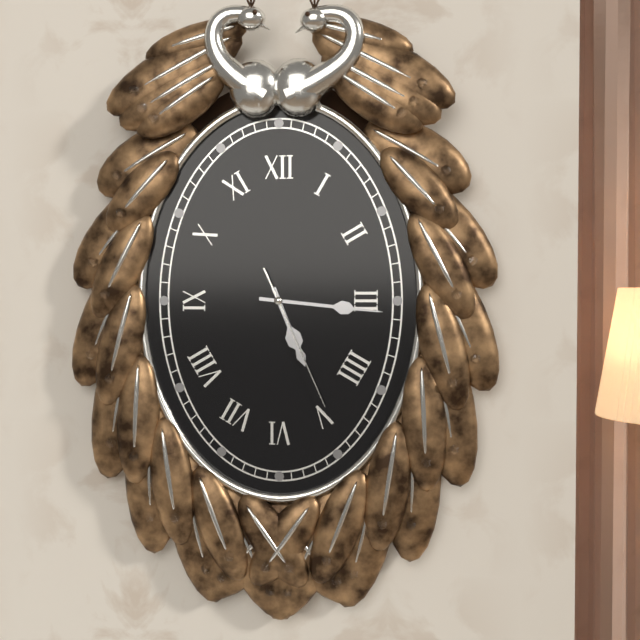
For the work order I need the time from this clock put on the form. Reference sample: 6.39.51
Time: 5.16.26
